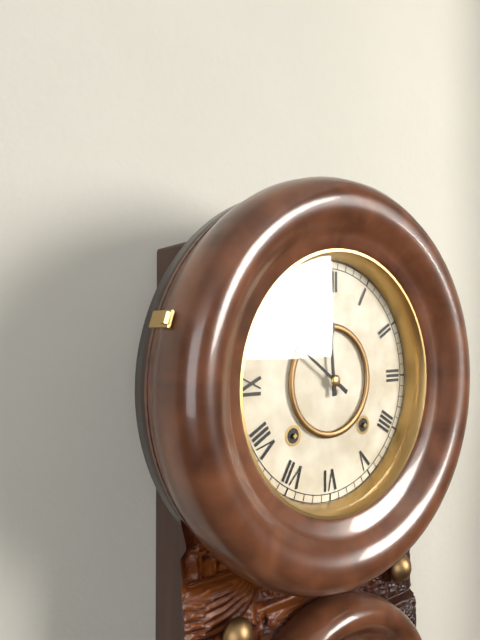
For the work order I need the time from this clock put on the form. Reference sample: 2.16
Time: 11.51
